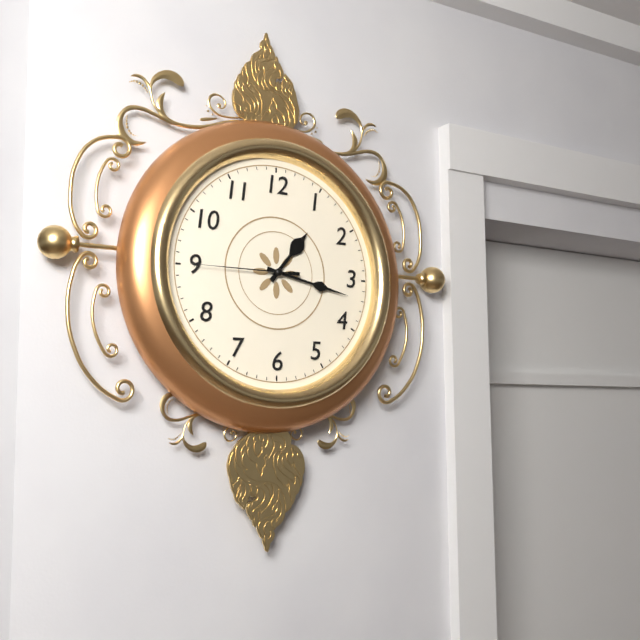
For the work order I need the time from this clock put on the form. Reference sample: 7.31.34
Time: 1.17.45
